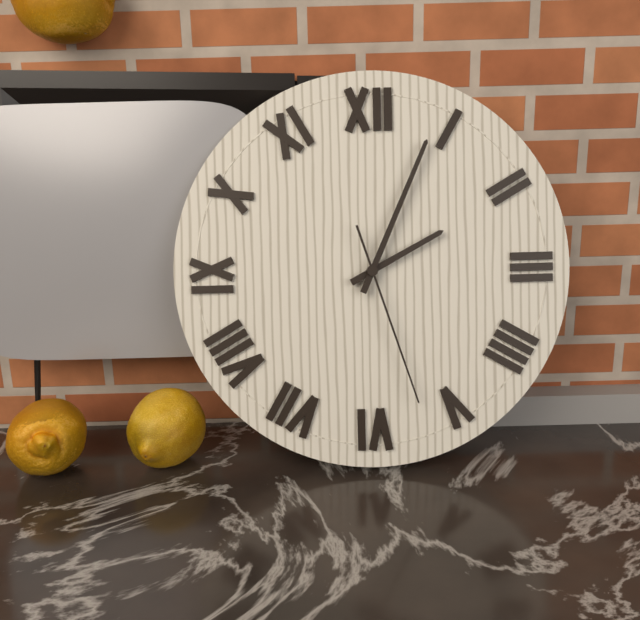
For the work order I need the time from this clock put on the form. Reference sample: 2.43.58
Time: 2.04.27
